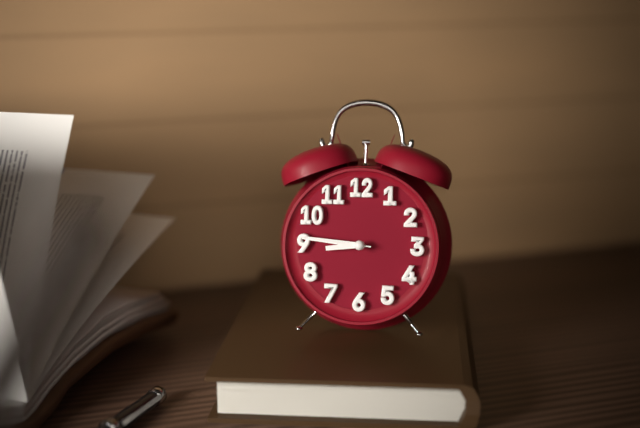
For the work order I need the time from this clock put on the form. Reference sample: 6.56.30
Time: 8.46.46
